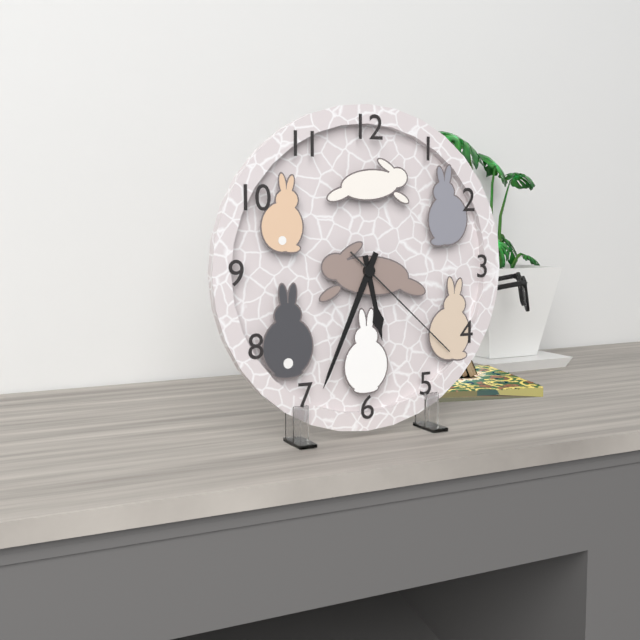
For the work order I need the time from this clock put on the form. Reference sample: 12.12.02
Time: 5.34.22
